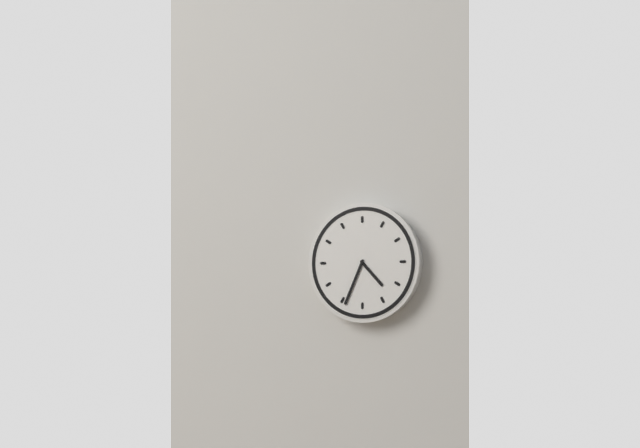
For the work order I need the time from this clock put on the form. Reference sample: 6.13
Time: 4.34
